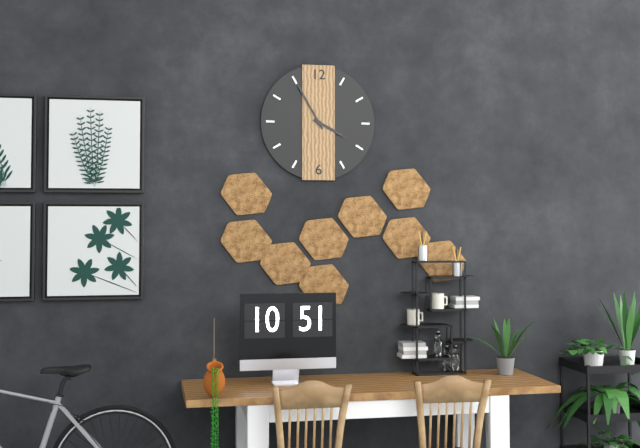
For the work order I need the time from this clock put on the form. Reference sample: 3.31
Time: 3.55
